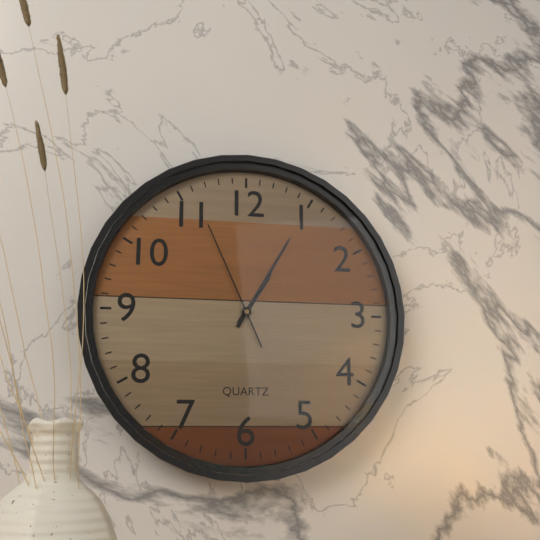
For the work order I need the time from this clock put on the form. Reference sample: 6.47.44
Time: 1.05.56
